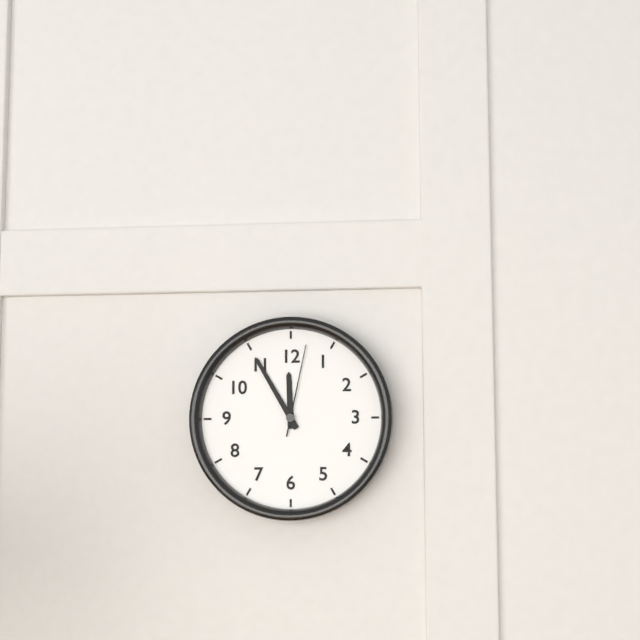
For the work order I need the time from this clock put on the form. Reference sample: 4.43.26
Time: 11.55.02
